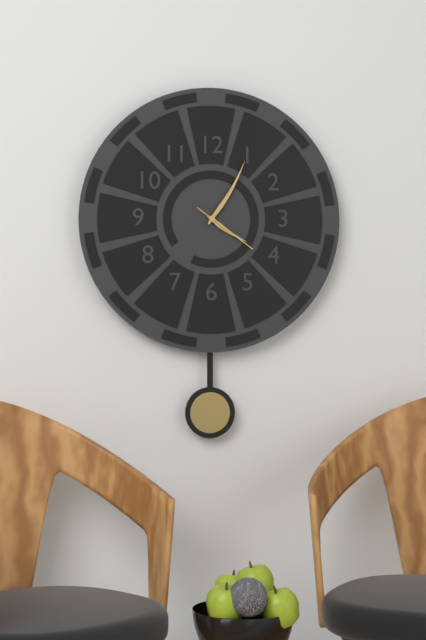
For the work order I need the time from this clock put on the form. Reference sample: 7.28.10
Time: 4.05.21
